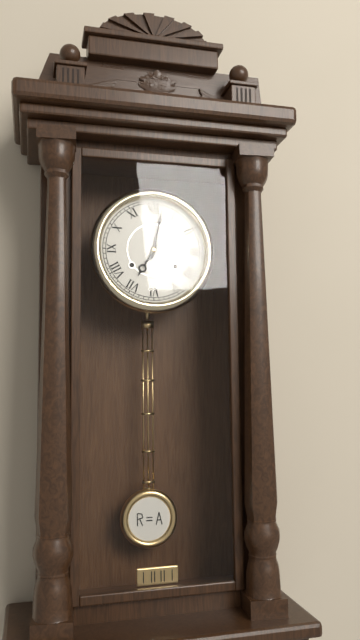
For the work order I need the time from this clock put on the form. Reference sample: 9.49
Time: 7.02
